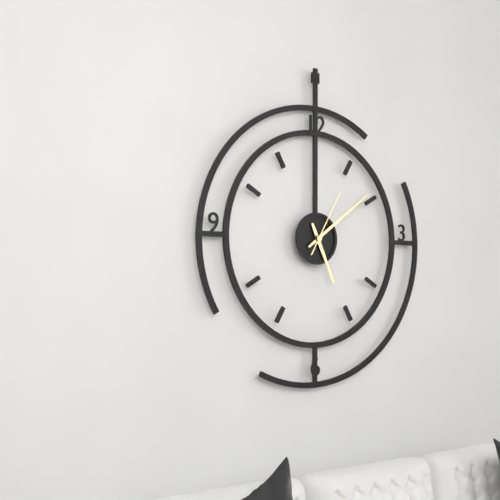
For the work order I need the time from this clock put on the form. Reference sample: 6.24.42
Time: 5.09.05
